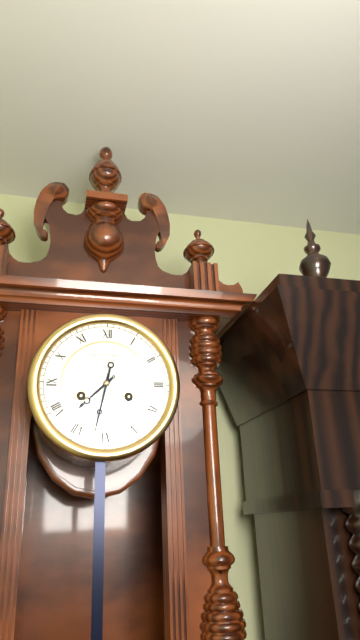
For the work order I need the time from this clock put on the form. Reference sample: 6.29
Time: 7.32
